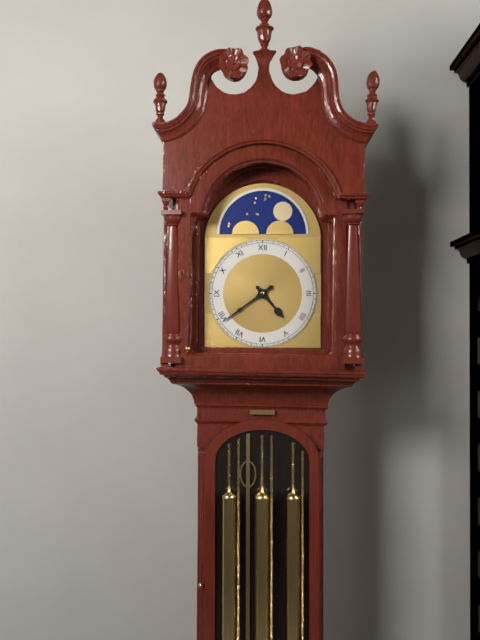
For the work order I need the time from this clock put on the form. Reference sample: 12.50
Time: 4.39
